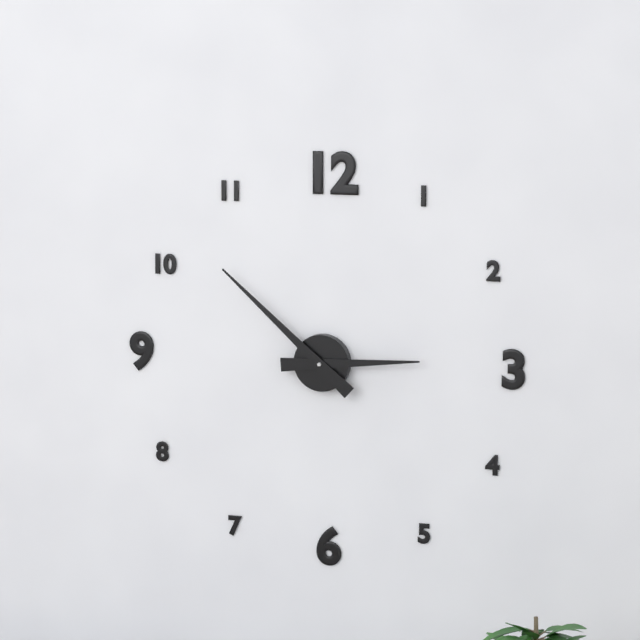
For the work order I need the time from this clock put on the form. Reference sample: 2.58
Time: 2.52
